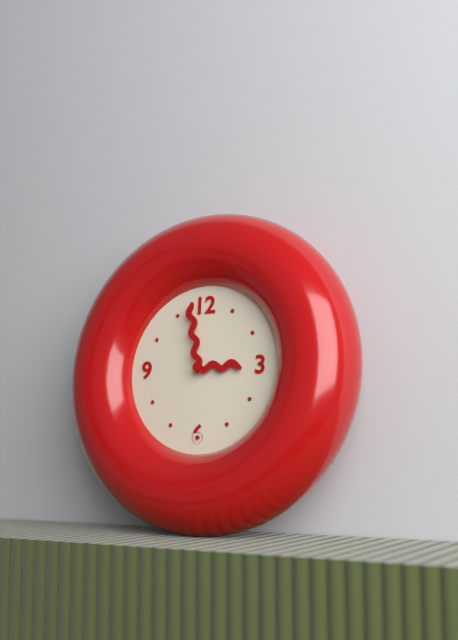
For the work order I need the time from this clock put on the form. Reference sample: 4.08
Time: 2.58
